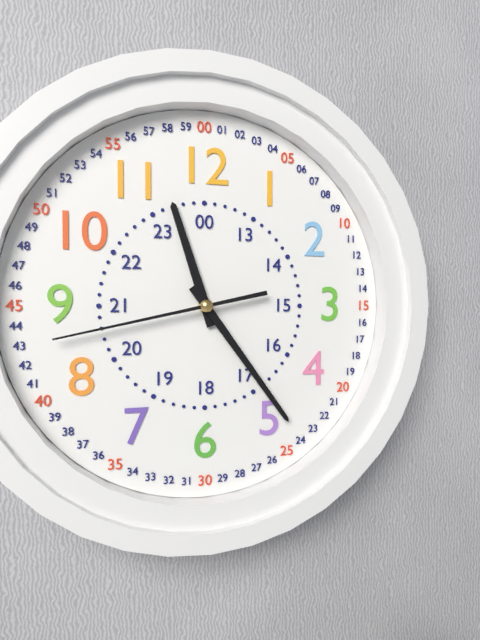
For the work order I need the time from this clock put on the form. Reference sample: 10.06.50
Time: 11.24.43
